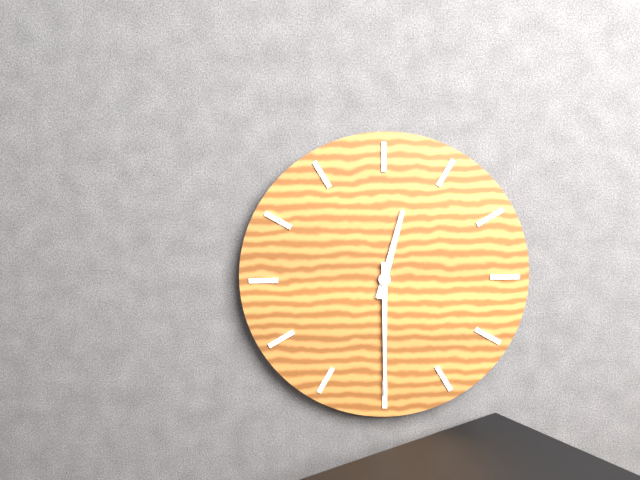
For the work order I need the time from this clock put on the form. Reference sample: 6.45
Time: 12.30
